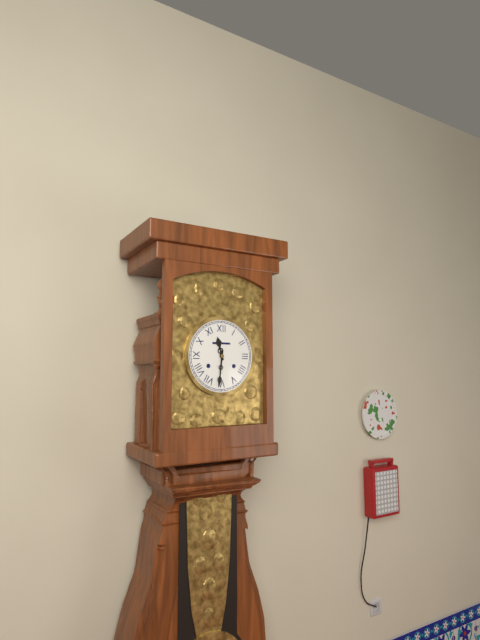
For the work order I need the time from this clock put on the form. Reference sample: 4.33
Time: 11.31
